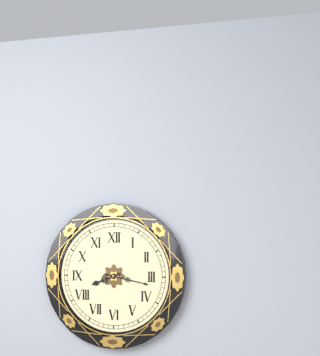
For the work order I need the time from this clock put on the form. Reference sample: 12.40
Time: 8.17
